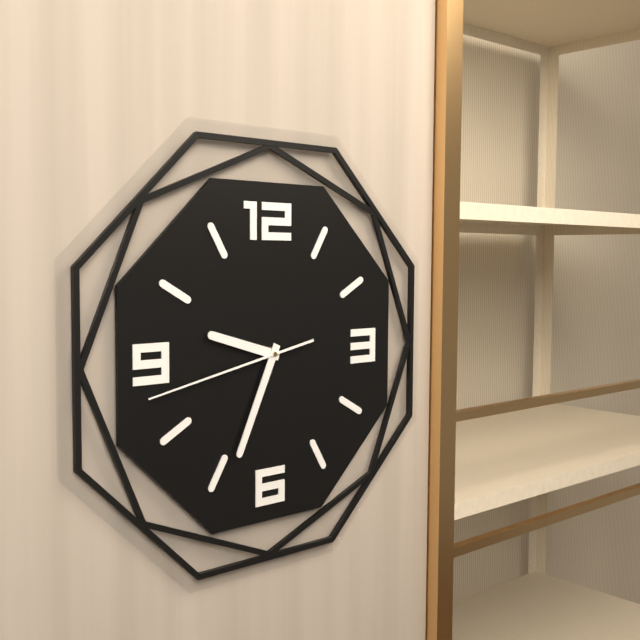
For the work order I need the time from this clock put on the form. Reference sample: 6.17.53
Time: 9.34.43
